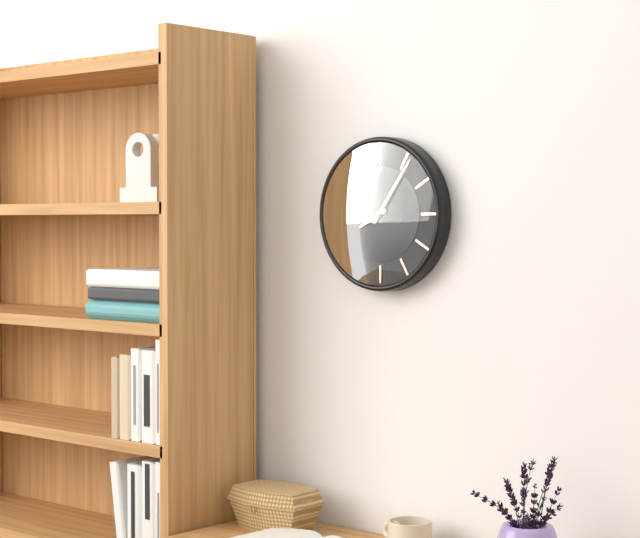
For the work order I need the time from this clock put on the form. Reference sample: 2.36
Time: 8.06
